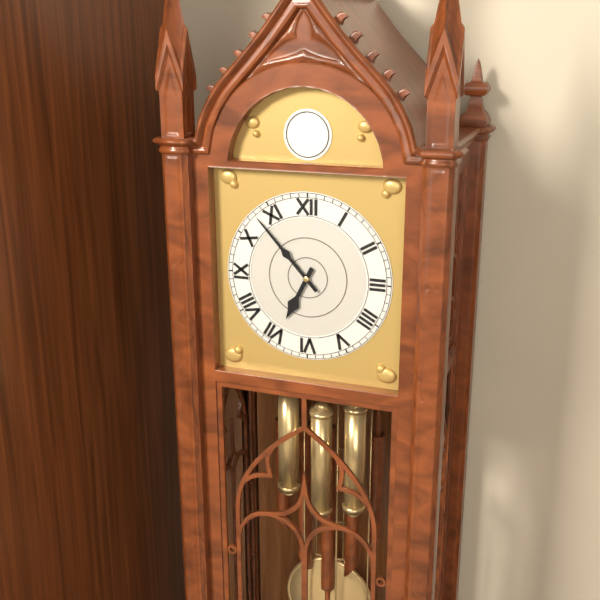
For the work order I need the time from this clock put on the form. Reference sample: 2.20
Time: 6.53
